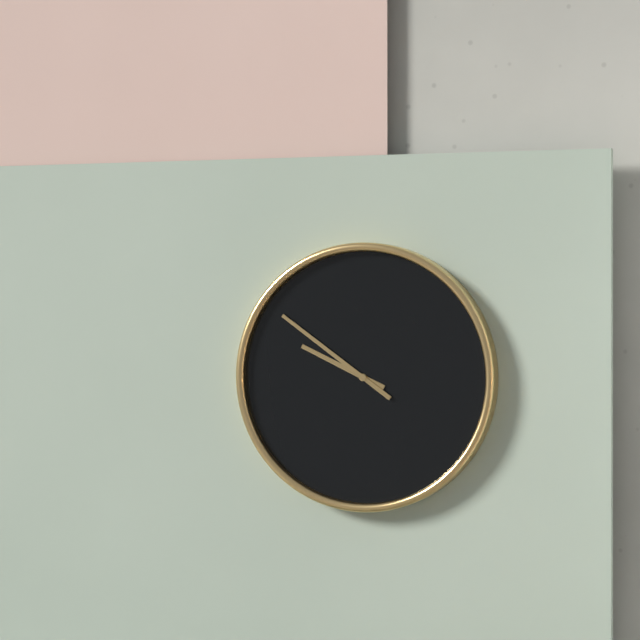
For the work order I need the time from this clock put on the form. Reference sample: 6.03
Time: 9.51
